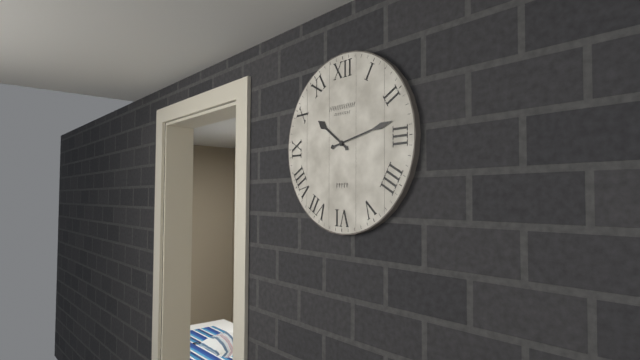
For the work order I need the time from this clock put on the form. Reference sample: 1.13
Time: 10.13
